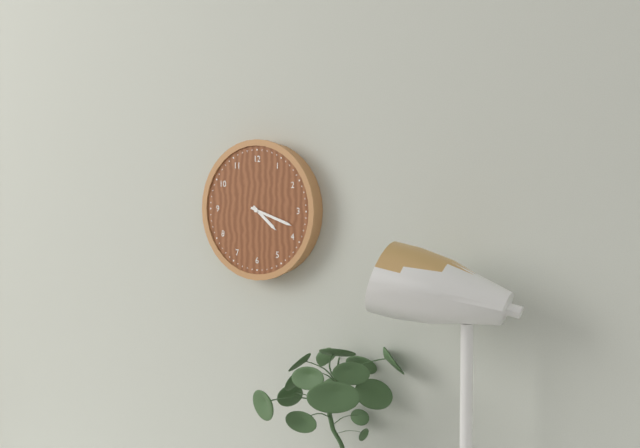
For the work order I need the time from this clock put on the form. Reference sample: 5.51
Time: 4.18
